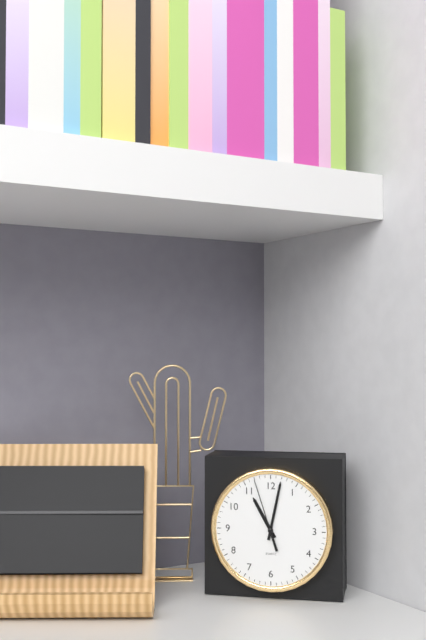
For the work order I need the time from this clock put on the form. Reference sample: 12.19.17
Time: 11.02.57
